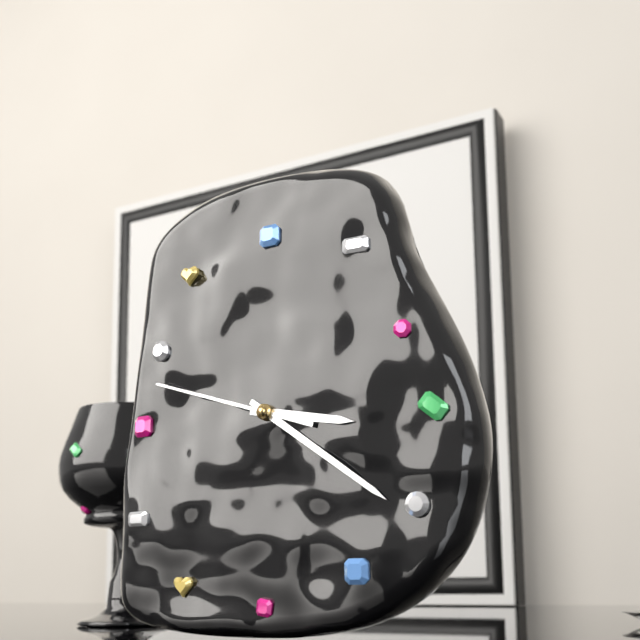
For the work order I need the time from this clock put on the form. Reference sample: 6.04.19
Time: 3.21.48
